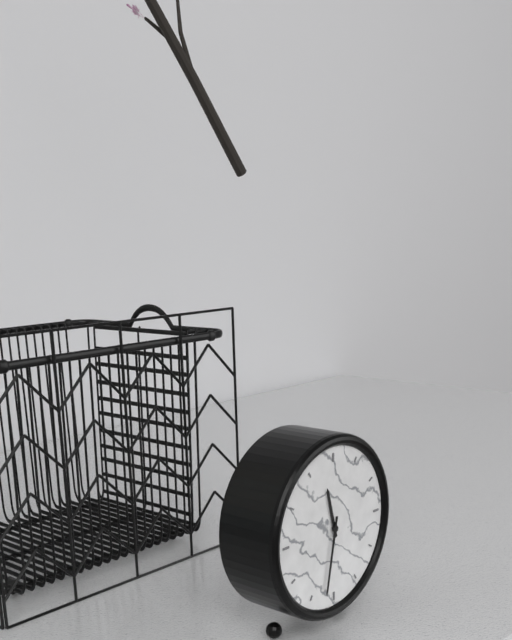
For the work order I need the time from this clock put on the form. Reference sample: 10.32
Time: 11.32
